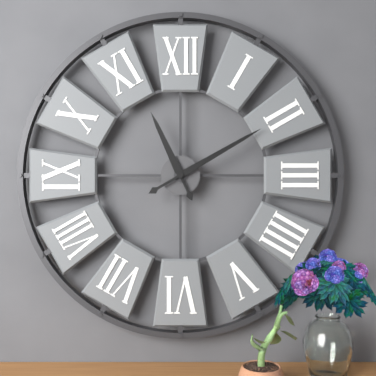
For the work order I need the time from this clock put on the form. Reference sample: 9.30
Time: 11.10
